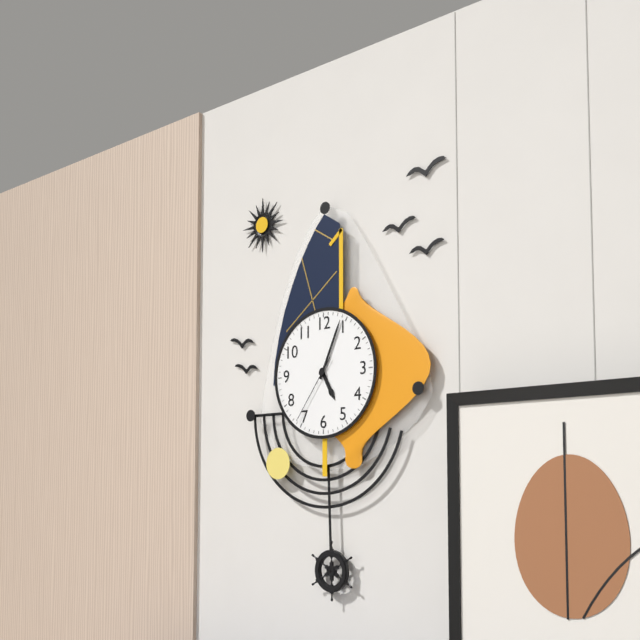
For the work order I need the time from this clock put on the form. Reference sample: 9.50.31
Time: 5.04.36
